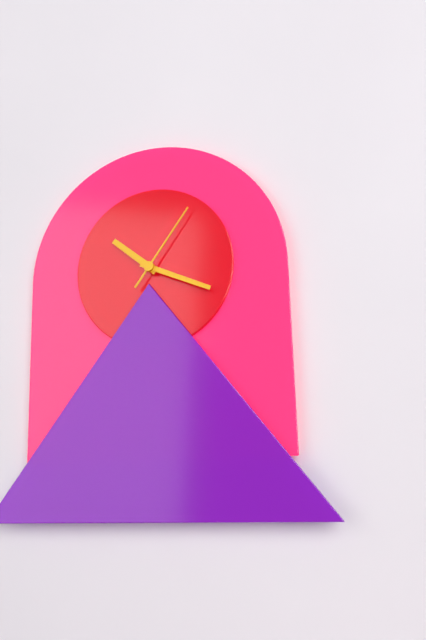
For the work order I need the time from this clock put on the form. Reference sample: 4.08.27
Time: 10.19.06
